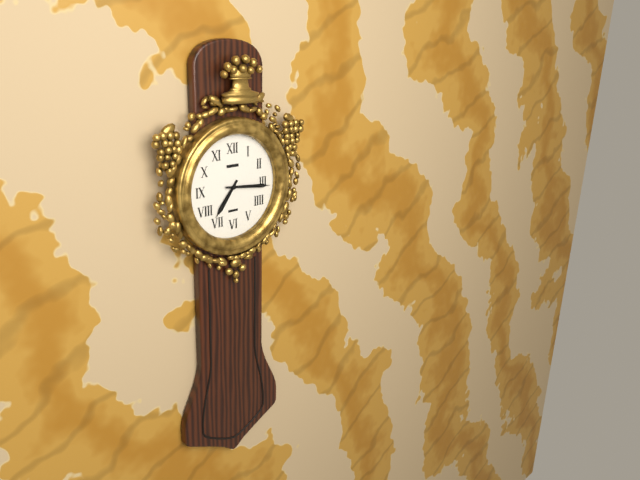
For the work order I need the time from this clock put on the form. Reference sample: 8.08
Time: 7.16
